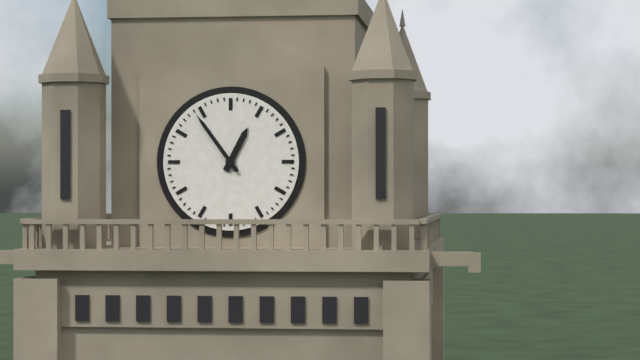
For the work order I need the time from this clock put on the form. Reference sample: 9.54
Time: 12.54
